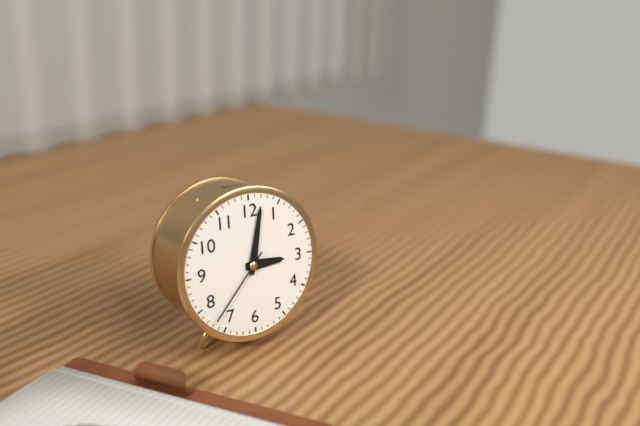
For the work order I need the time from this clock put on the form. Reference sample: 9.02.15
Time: 3.02.37
